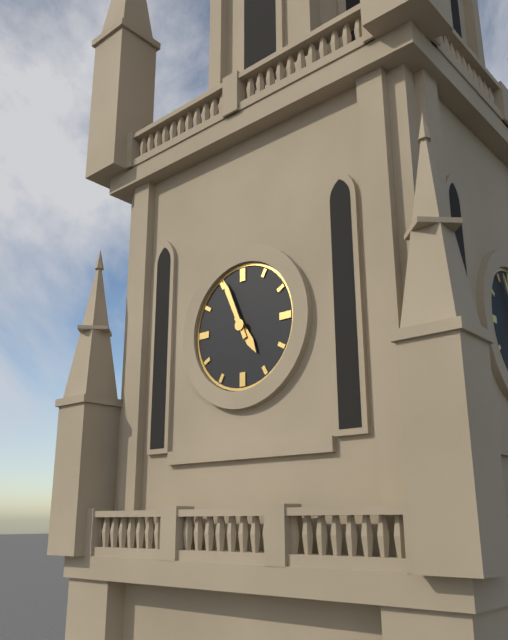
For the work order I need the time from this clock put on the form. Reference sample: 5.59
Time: 4.56
